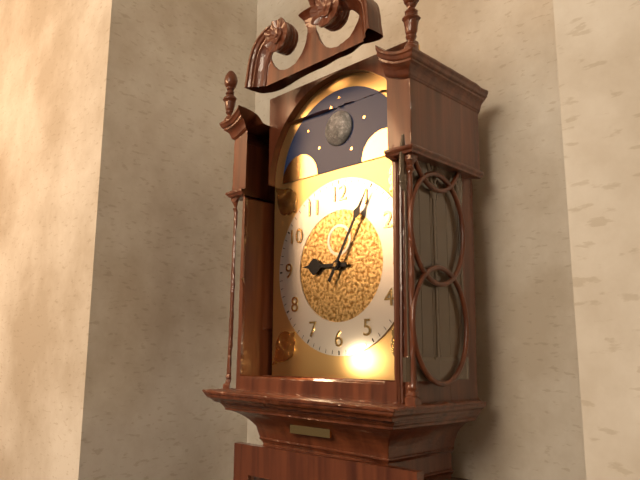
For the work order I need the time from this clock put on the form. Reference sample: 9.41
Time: 9.05
